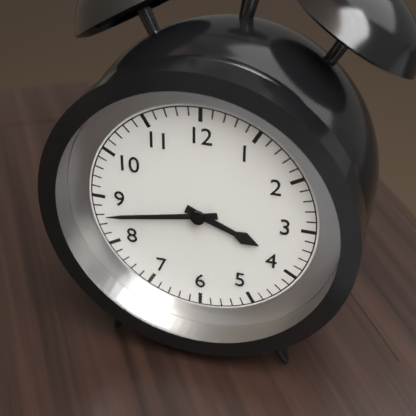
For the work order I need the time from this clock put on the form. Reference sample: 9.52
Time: 3.43
